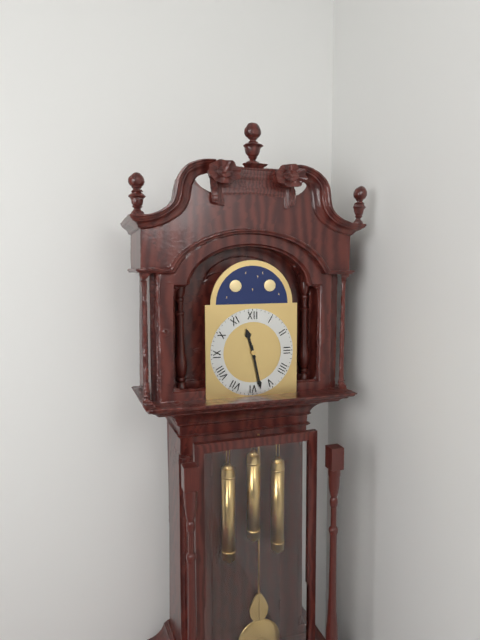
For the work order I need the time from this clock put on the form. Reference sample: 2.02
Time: 11.28
